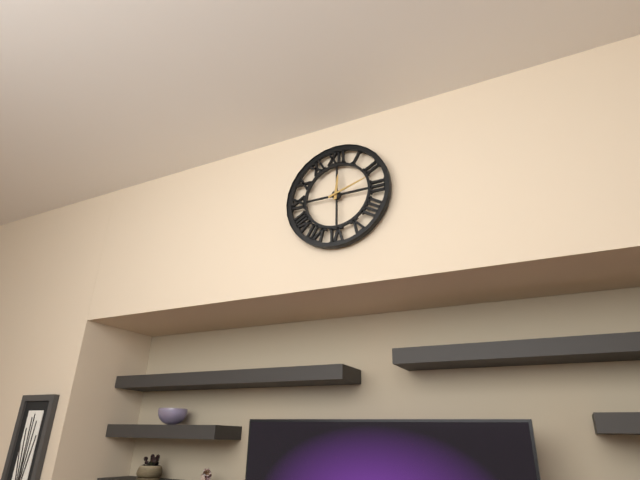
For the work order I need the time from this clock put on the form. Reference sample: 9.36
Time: 12.12
